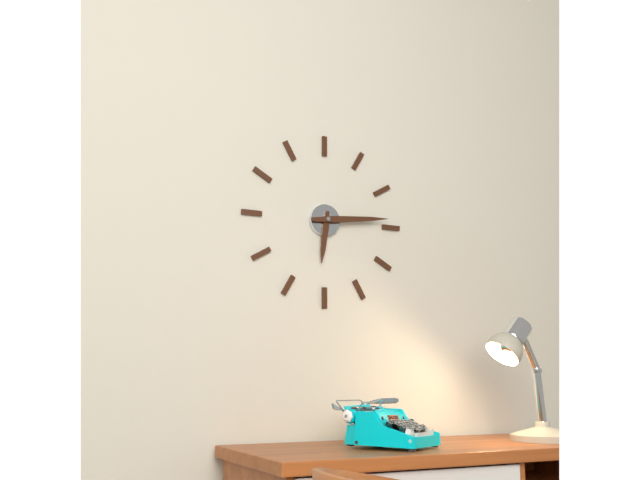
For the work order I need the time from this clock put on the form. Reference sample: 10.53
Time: 6.14
